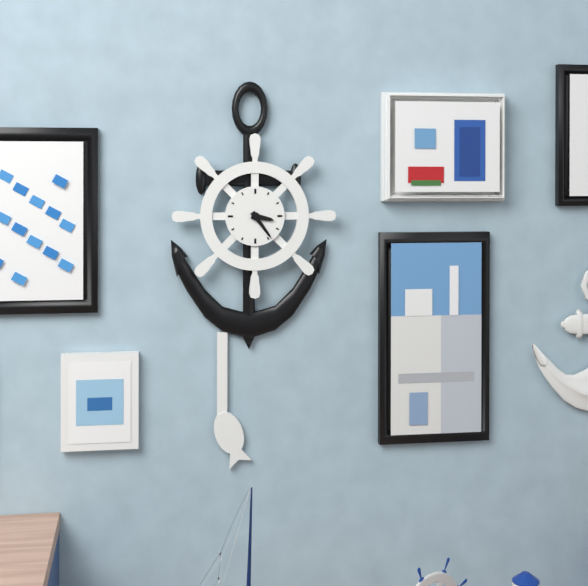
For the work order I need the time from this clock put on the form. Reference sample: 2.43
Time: 3.24
